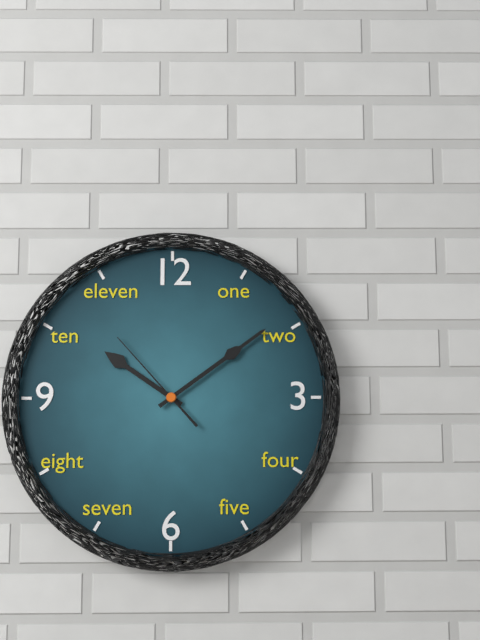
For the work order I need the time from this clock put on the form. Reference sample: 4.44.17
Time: 10.09.53
